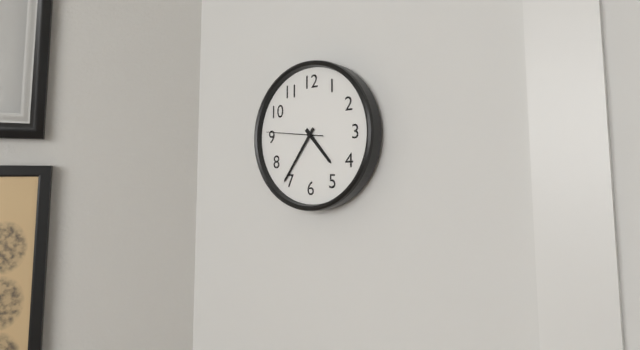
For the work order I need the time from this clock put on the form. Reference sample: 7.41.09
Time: 4.36.46
